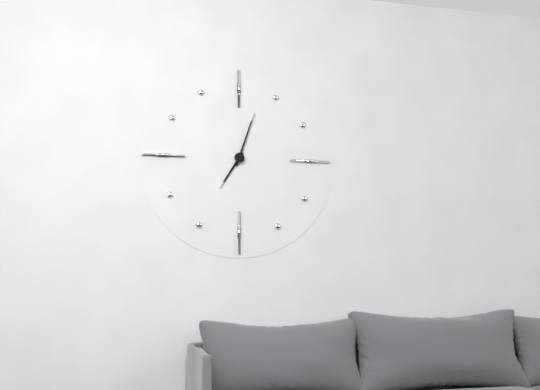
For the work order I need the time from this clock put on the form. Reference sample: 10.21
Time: 7.03
